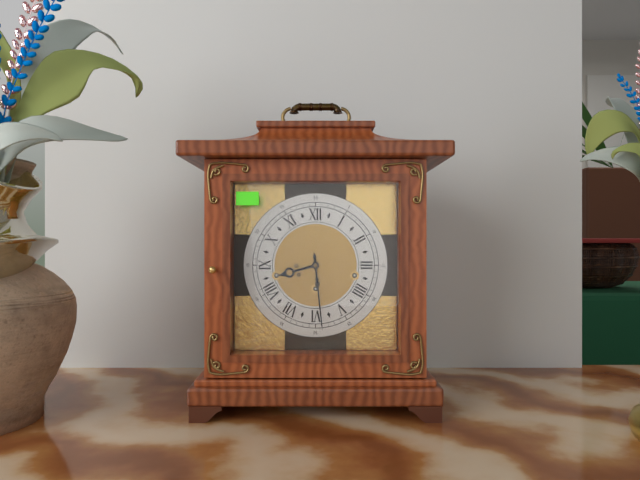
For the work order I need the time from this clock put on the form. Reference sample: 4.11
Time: 8.29
